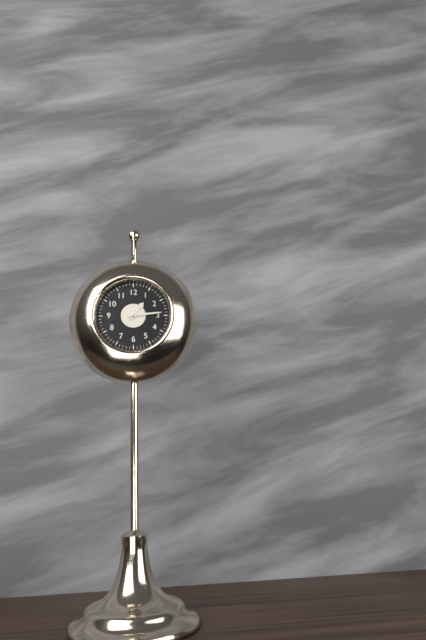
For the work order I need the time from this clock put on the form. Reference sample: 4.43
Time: 1.14
